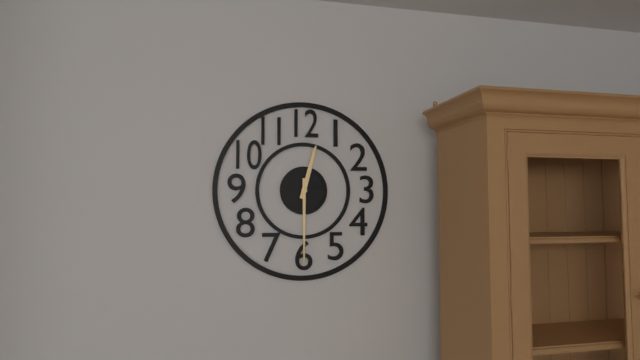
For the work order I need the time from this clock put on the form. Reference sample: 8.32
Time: 12.30
